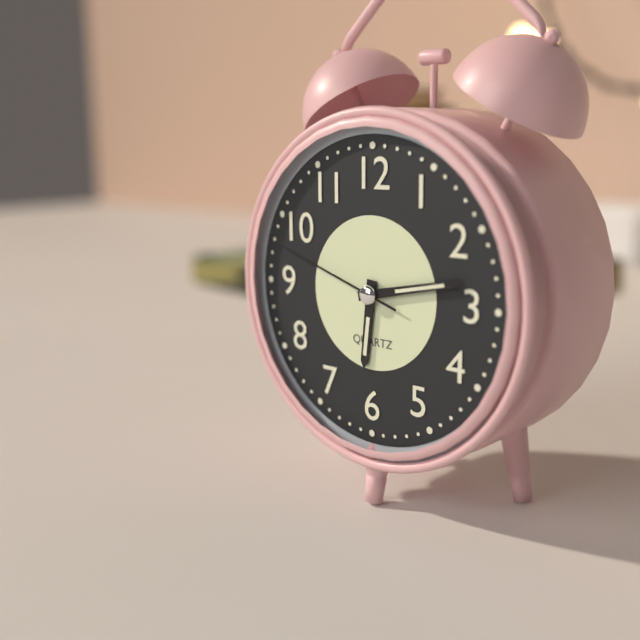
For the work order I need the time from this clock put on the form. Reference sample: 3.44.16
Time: 6.13.48
